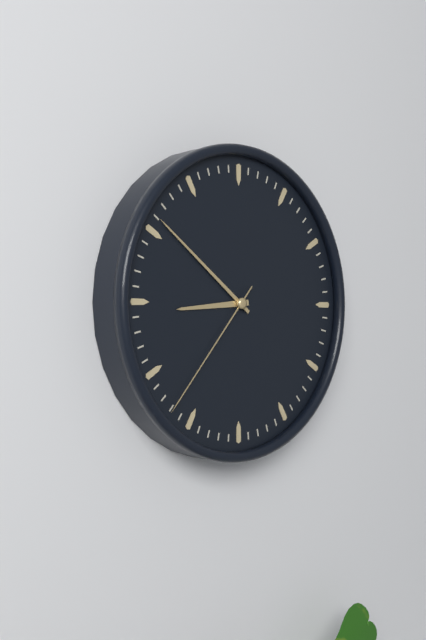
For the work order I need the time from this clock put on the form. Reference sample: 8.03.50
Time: 8.51.37
